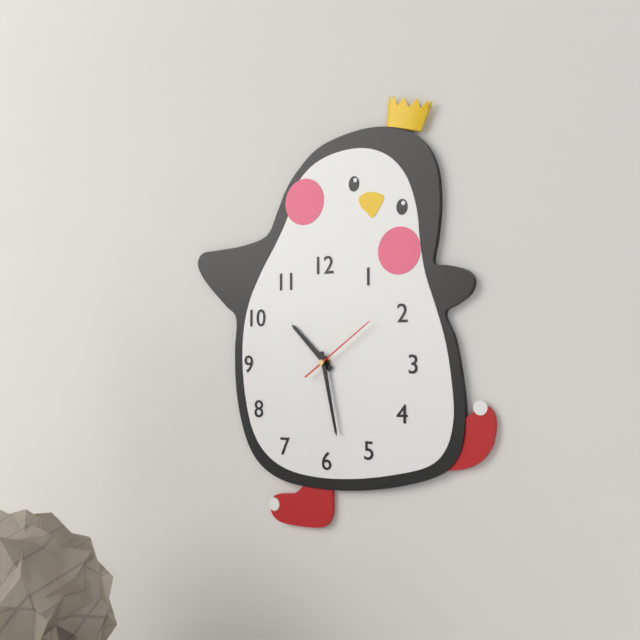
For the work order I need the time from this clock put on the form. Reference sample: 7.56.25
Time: 10.28.09
